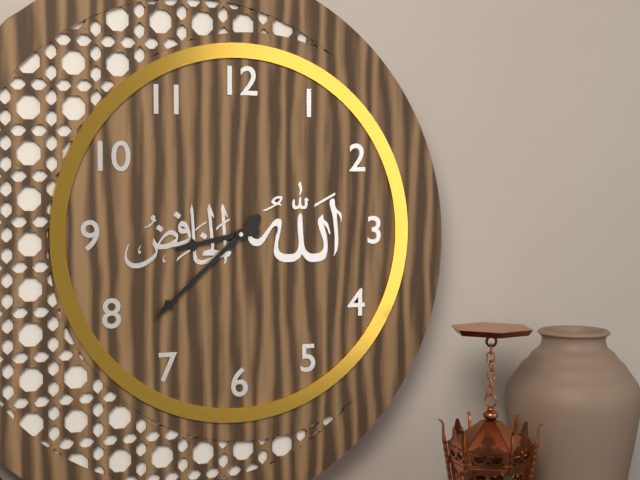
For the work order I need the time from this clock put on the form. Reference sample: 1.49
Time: 8.38
